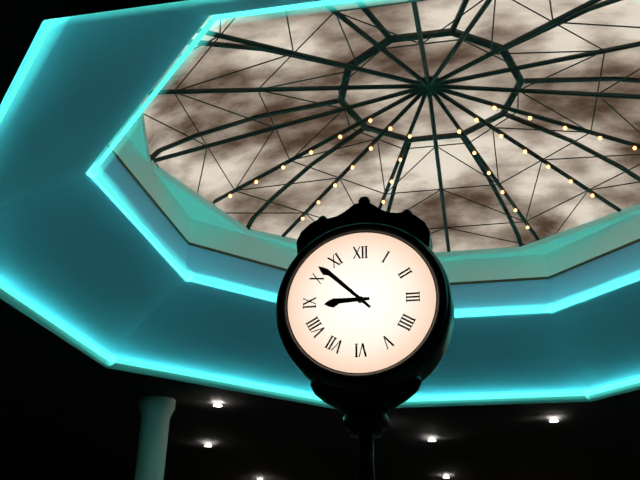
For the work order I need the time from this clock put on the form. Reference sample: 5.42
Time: 8.52
